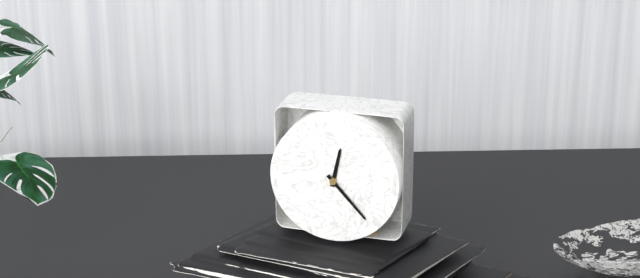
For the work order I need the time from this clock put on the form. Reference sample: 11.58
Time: 12.23
